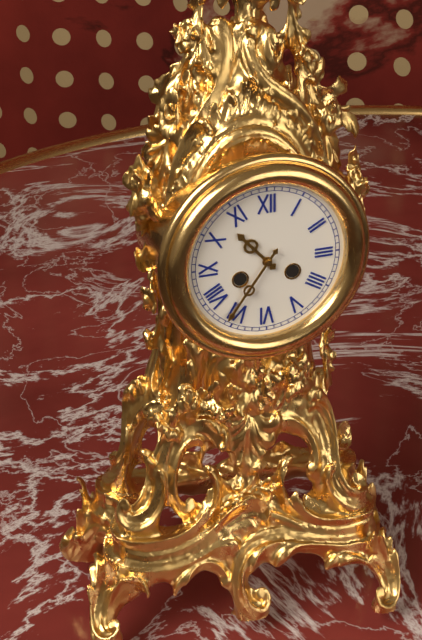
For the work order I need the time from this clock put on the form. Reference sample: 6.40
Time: 10.36
